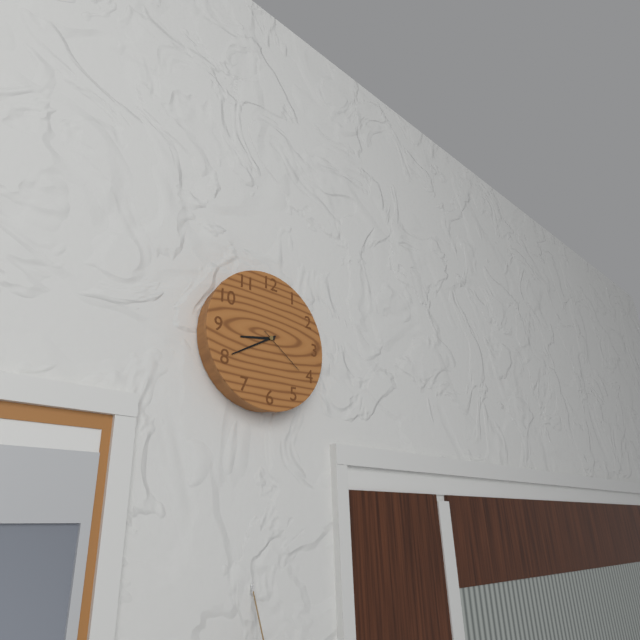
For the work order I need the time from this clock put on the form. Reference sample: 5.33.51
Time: 8.40.21
